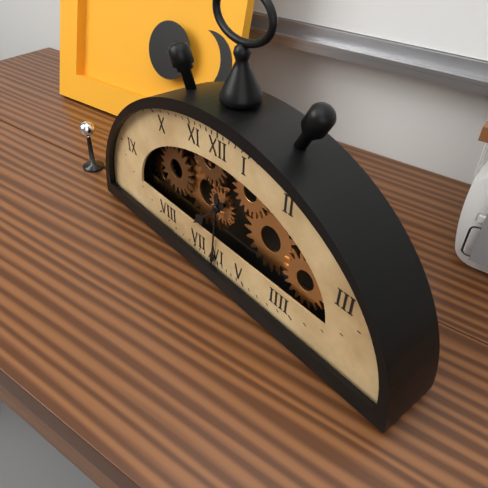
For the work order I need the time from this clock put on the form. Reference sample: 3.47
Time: 7.31
